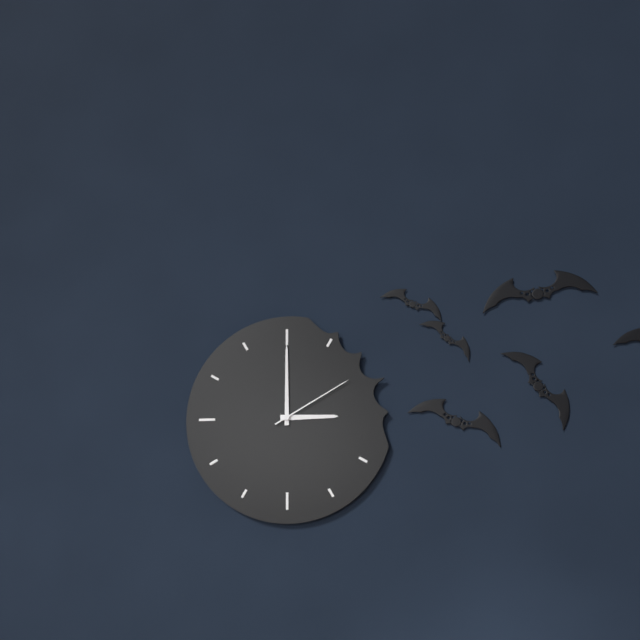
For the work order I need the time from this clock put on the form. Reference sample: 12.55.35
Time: 3.00.10
